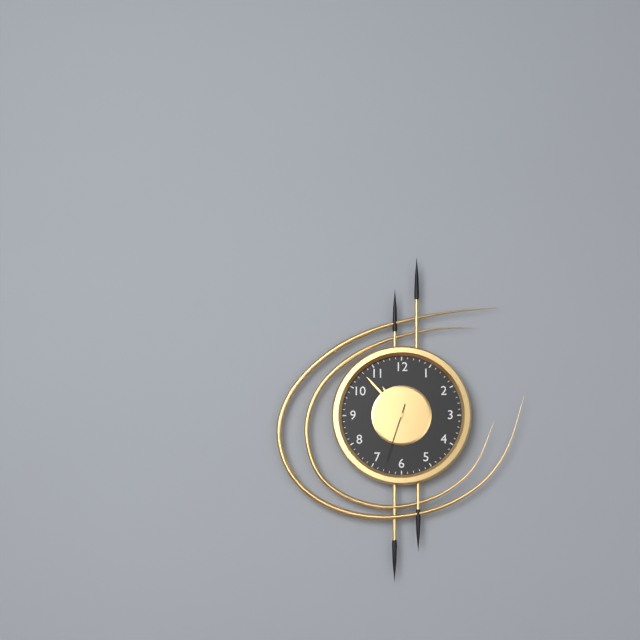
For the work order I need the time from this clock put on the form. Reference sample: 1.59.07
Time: 10.53.33
